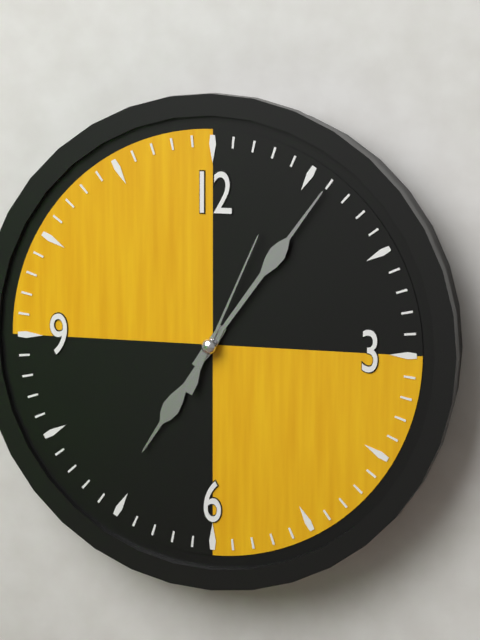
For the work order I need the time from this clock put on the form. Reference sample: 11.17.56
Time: 7.06.04
